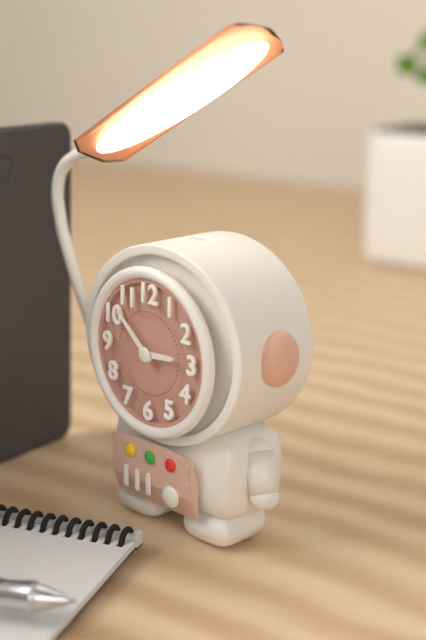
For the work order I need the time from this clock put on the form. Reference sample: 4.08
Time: 2.52
